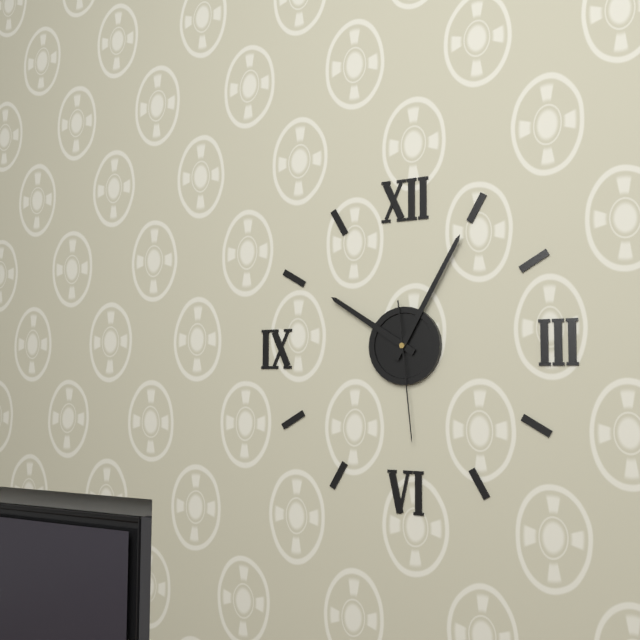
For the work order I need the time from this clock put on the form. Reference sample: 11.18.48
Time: 10.05.29
